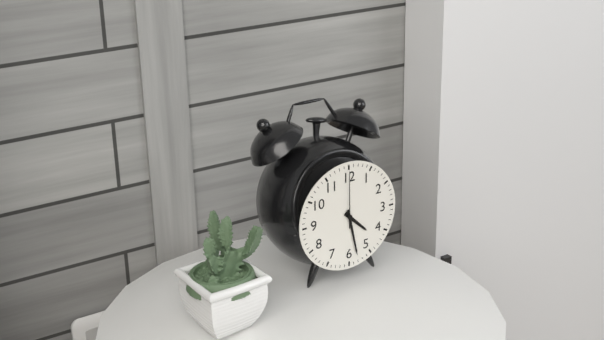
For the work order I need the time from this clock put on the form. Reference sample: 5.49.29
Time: 4.28.00
